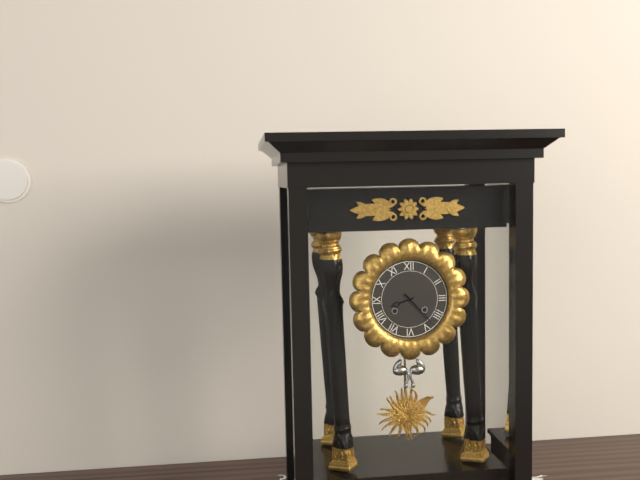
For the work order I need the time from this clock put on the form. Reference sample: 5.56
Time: 8.23
